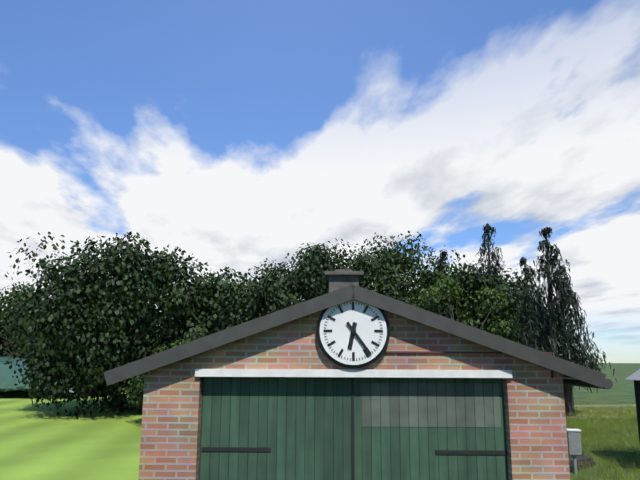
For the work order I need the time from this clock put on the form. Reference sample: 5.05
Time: 6.24
